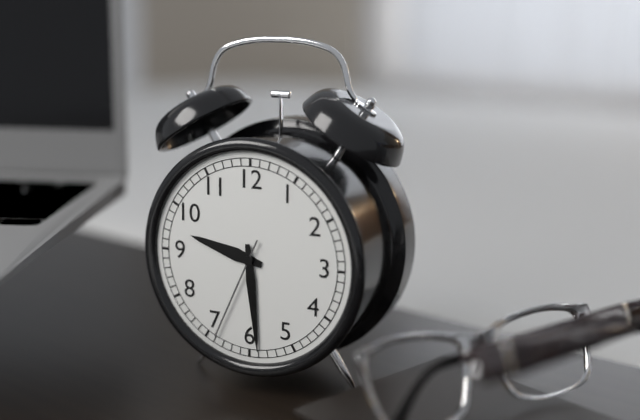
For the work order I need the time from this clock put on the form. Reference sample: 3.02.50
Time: 9.29.34
